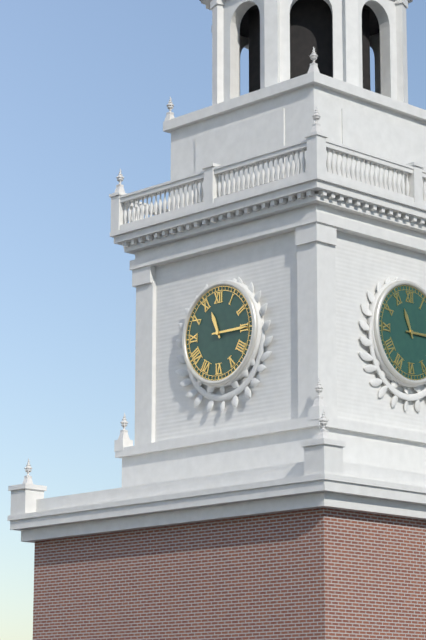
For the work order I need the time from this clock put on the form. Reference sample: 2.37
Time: 11.15
